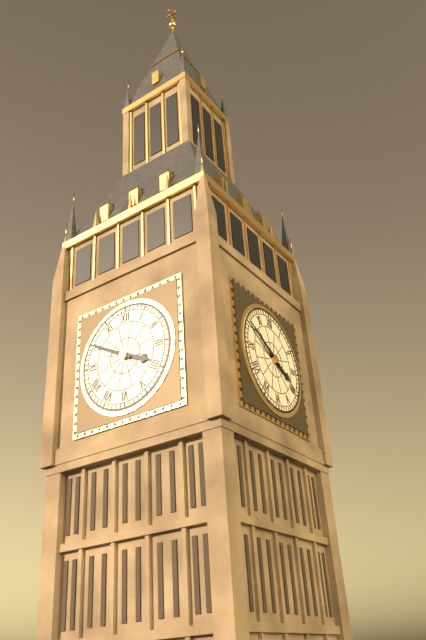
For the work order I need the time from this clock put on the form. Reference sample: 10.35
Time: 3.50
